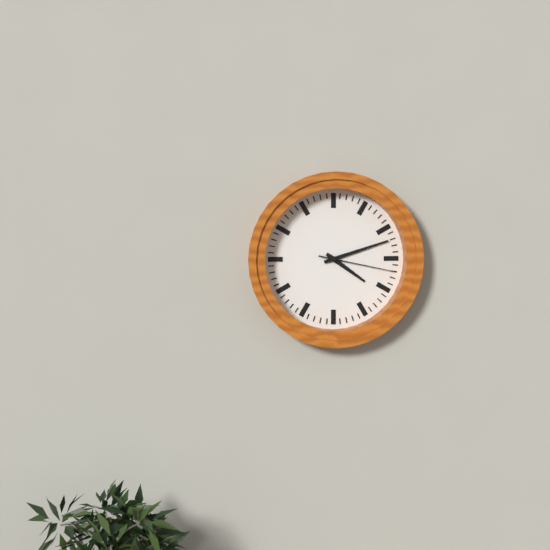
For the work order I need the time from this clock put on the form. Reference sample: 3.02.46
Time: 4.12.17
